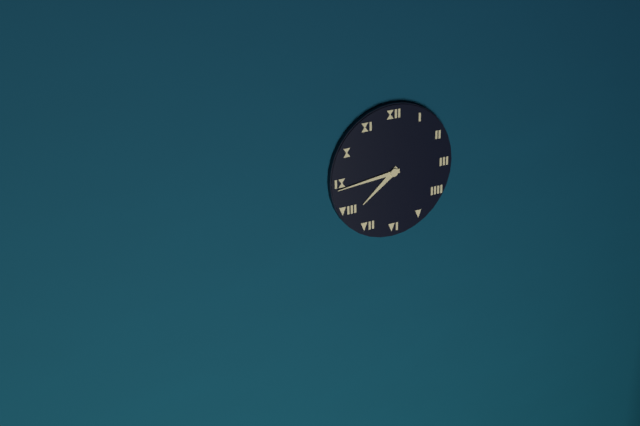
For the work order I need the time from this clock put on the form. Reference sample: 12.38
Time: 7.44
